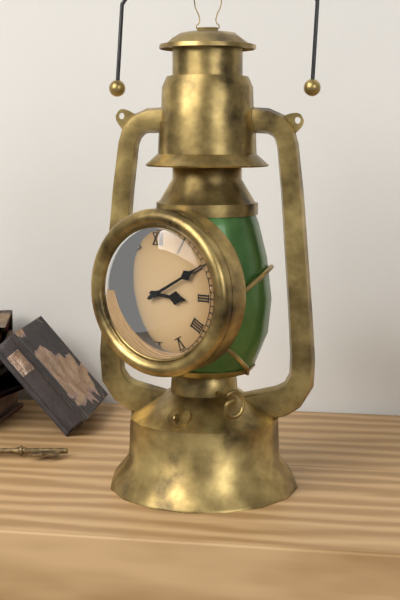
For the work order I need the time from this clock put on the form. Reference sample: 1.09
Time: 3.10
